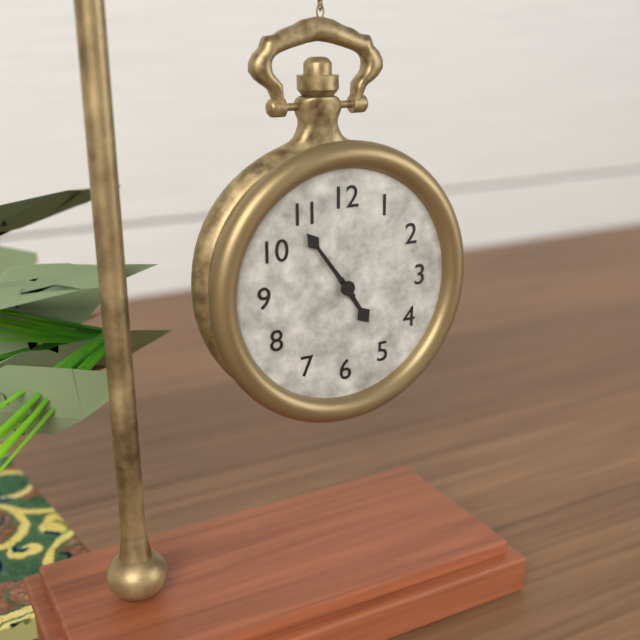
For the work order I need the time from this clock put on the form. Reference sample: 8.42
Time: 4.54
